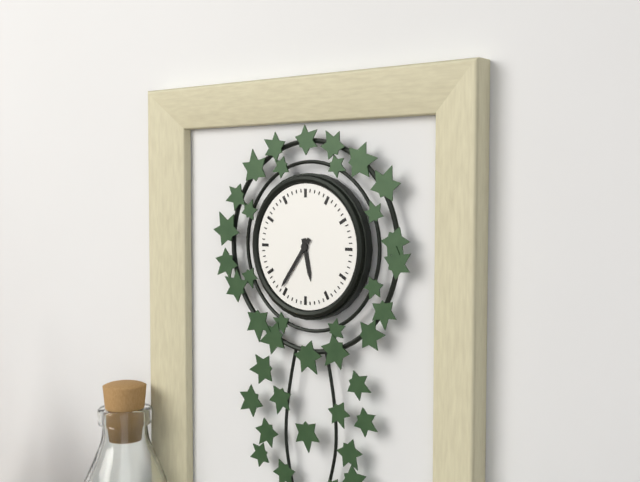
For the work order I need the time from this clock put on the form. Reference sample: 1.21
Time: 5.36
